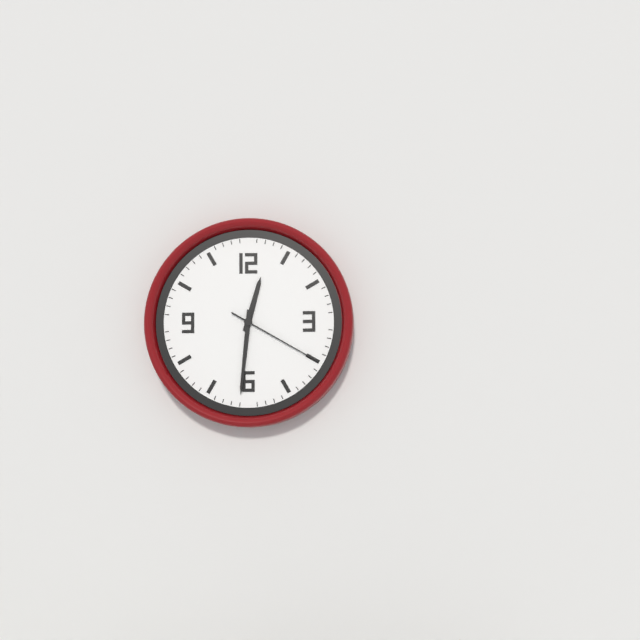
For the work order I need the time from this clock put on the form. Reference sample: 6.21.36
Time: 12.31.20
